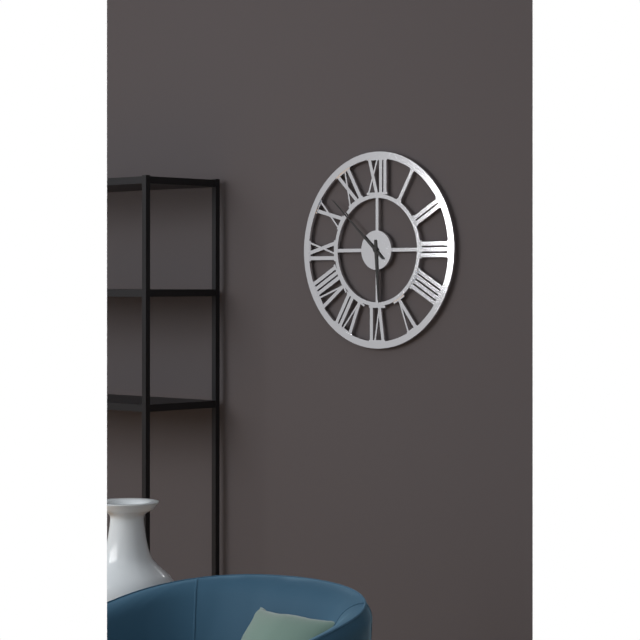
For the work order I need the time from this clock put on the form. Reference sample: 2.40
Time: 5.52
